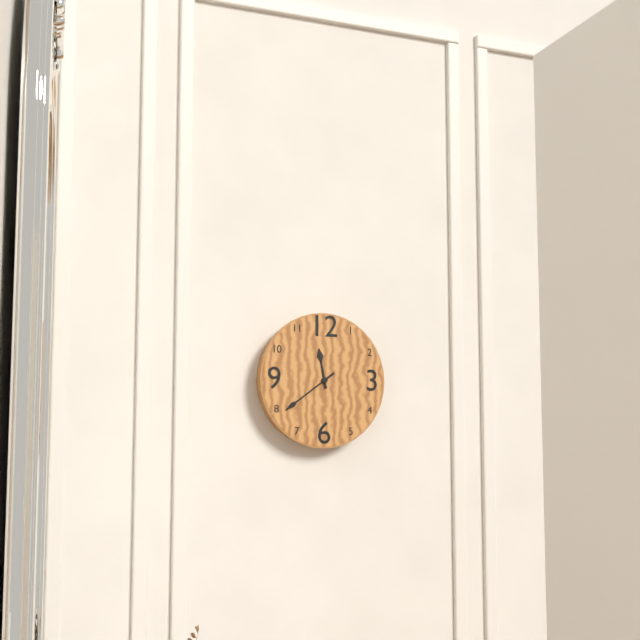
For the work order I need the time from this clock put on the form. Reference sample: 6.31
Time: 11.39
